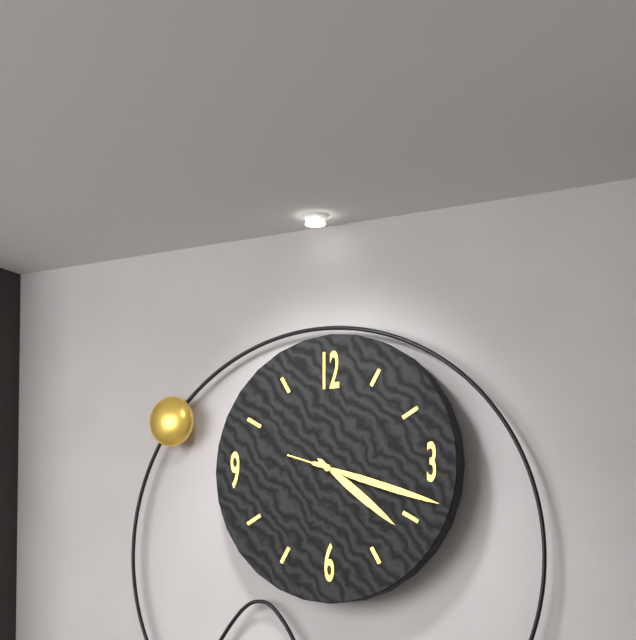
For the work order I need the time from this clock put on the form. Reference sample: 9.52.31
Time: 4.18.18
